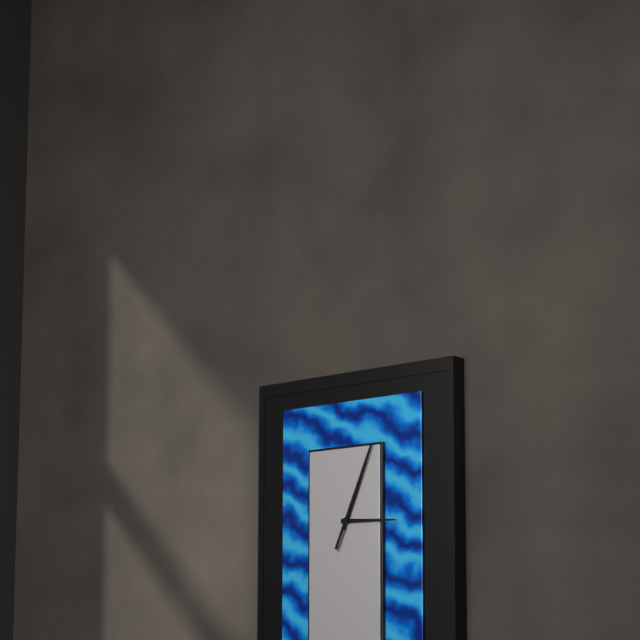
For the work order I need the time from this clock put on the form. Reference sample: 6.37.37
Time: 3.04.04
